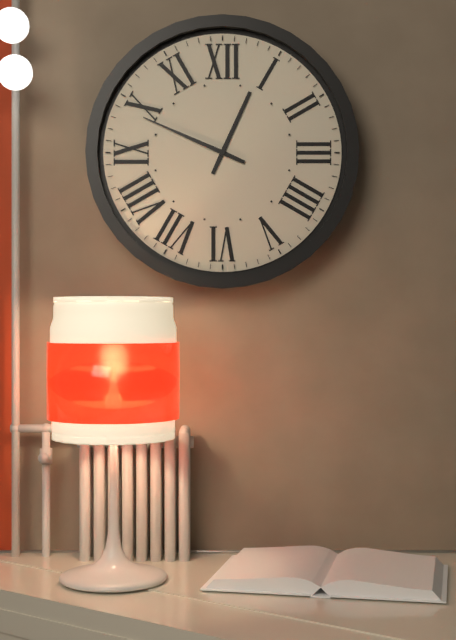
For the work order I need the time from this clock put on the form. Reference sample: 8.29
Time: 12.49
